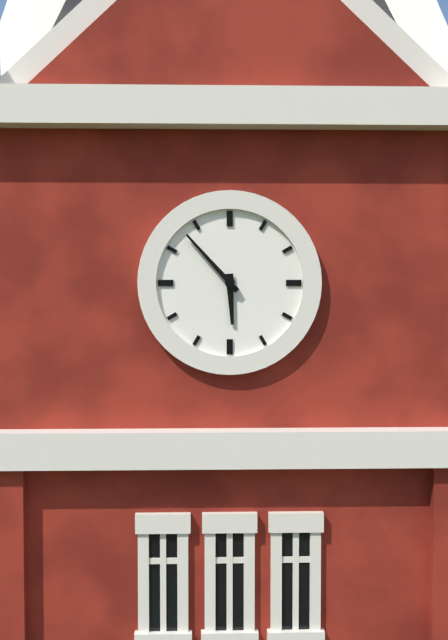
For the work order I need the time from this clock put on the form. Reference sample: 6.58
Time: 5.53
